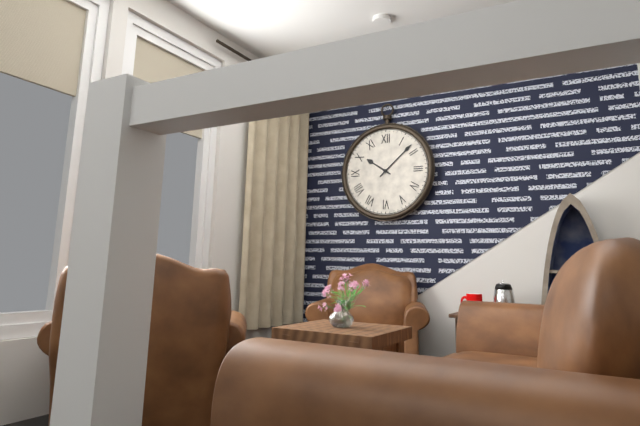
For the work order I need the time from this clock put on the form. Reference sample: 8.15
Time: 10.08
